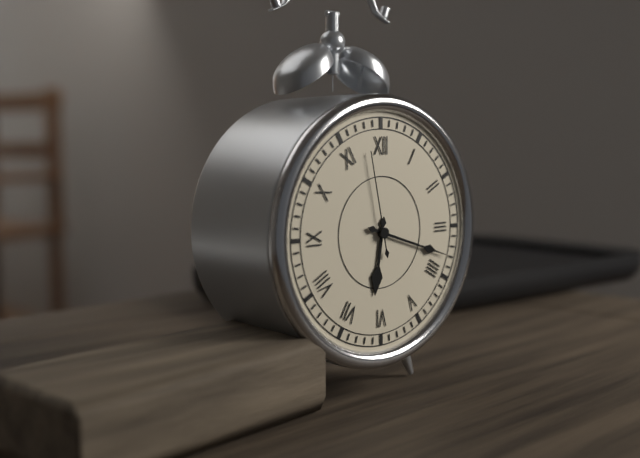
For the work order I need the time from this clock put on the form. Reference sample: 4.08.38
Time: 6.18.58
